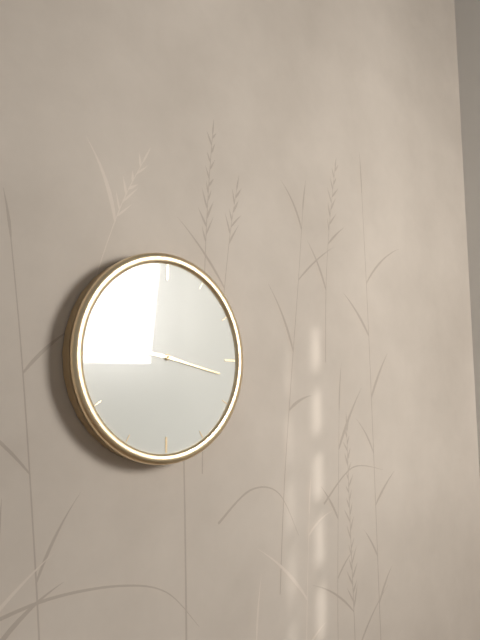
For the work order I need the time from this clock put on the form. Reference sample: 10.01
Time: 9.17
